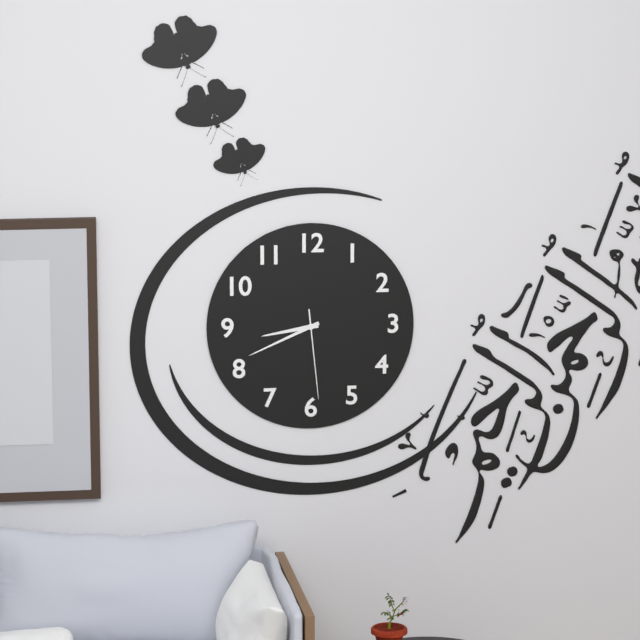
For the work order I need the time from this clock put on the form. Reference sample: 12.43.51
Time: 8.41.29
